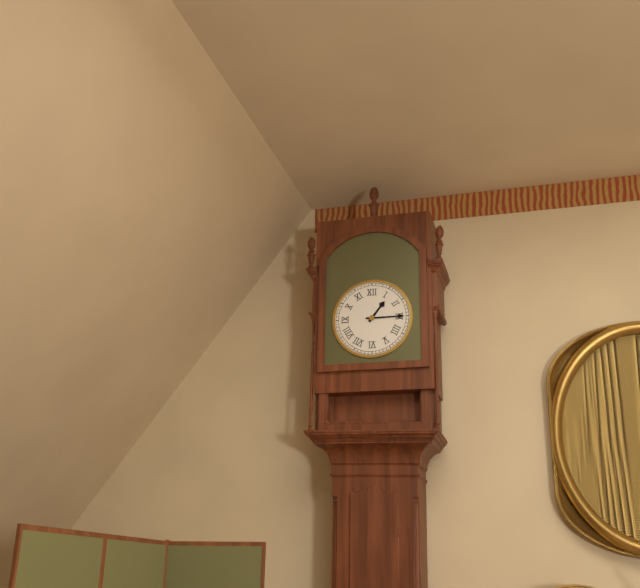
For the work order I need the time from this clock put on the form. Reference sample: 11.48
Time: 1.15
